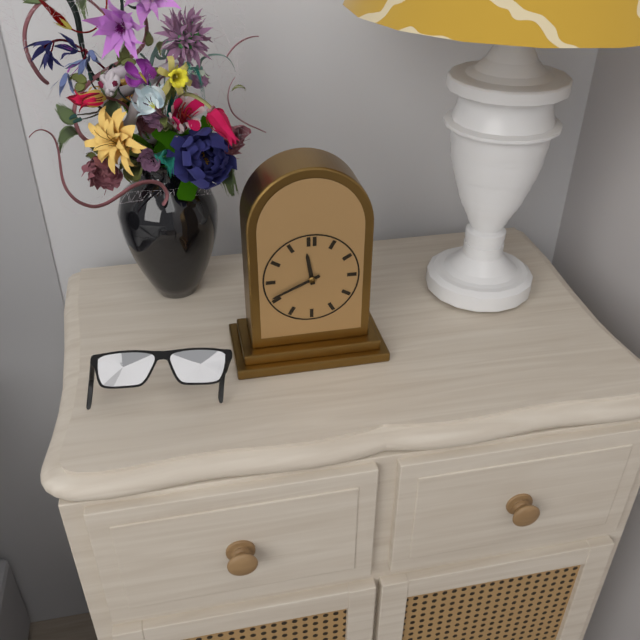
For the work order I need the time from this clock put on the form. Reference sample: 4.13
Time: 11.41
